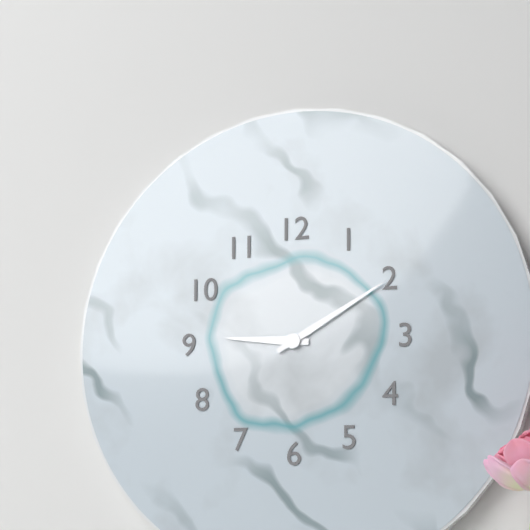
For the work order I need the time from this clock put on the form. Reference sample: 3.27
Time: 9.10
